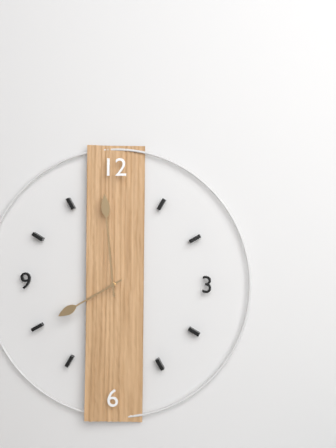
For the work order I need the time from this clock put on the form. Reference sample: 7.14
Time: 7.59
